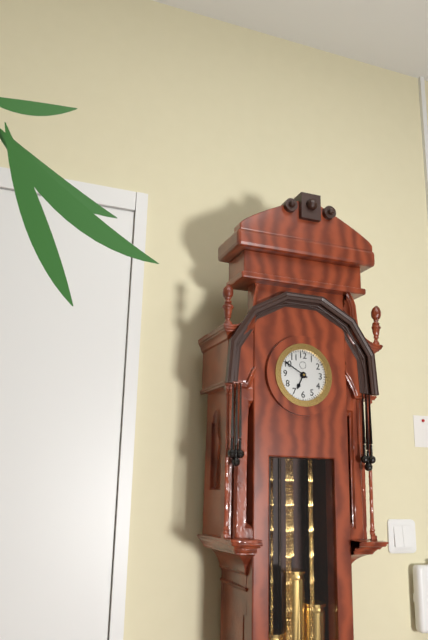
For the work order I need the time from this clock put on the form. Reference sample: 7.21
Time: 6.50
